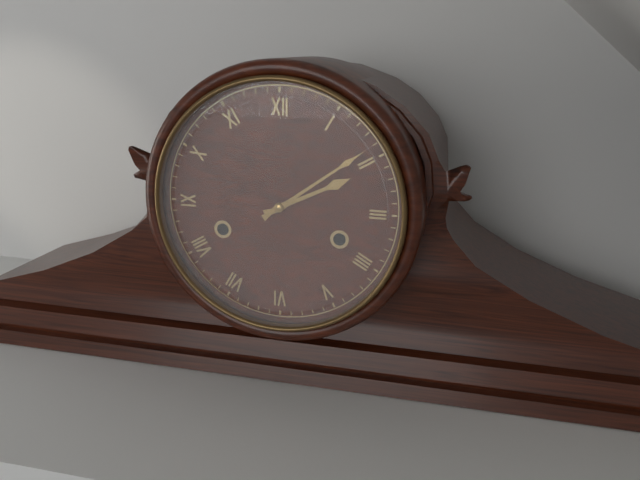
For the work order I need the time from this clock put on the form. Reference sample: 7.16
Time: 2.09
